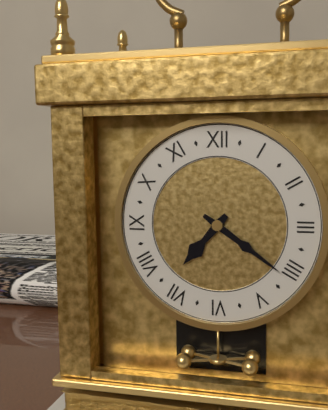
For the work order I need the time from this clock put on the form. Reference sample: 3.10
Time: 7.21
